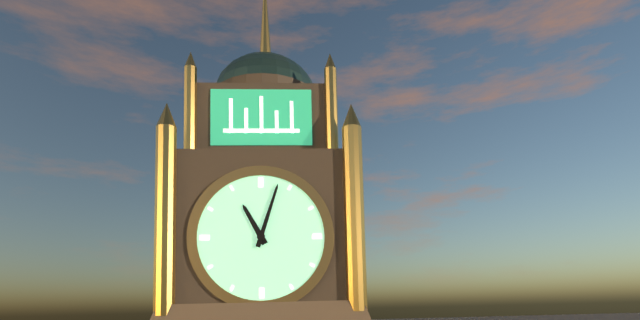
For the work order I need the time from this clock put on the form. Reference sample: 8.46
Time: 11.03
